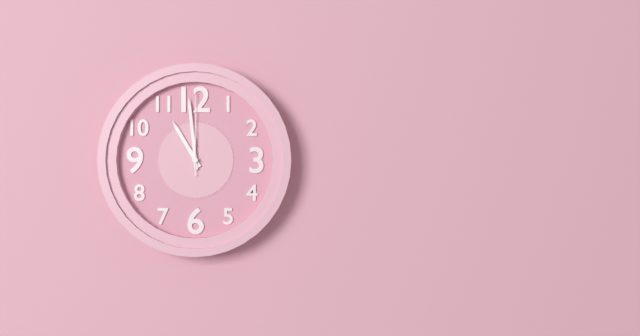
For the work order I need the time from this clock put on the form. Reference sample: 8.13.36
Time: 10.59.00
